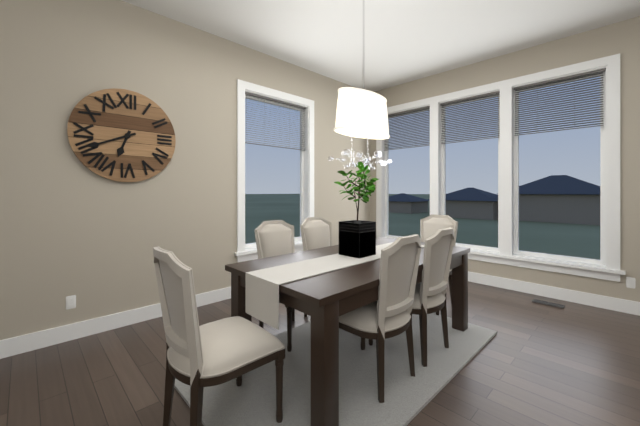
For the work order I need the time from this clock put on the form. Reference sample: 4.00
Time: 6.41
